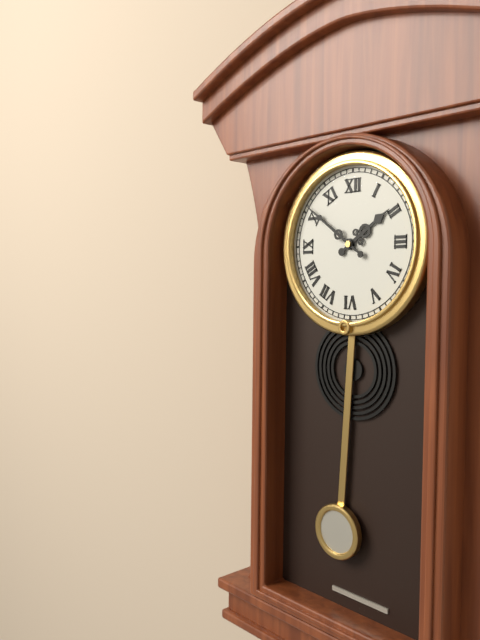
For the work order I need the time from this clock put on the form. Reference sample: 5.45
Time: 1.51
